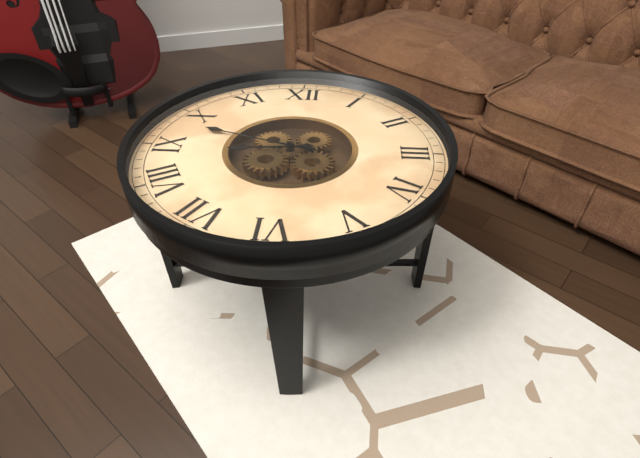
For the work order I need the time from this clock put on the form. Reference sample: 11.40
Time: 8.48
